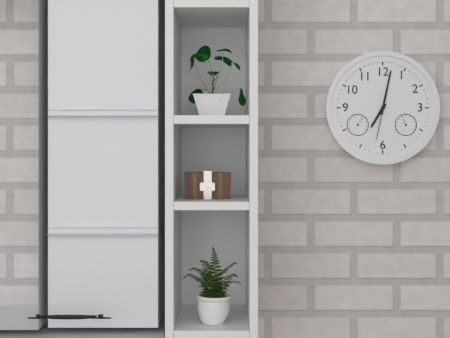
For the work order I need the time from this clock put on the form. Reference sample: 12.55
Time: 7.02
